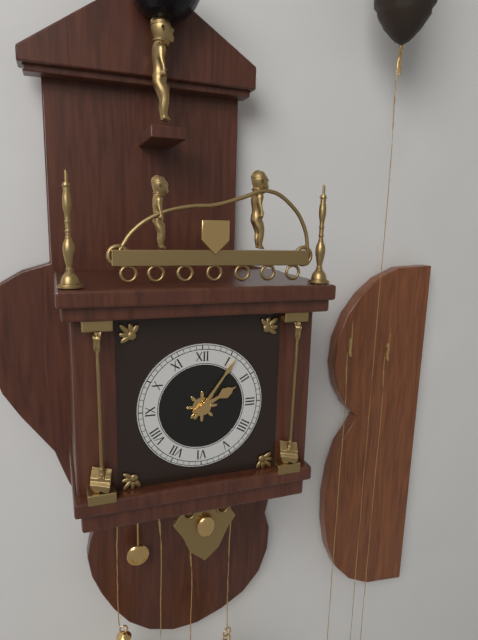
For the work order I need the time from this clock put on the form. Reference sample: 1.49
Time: 2.06
